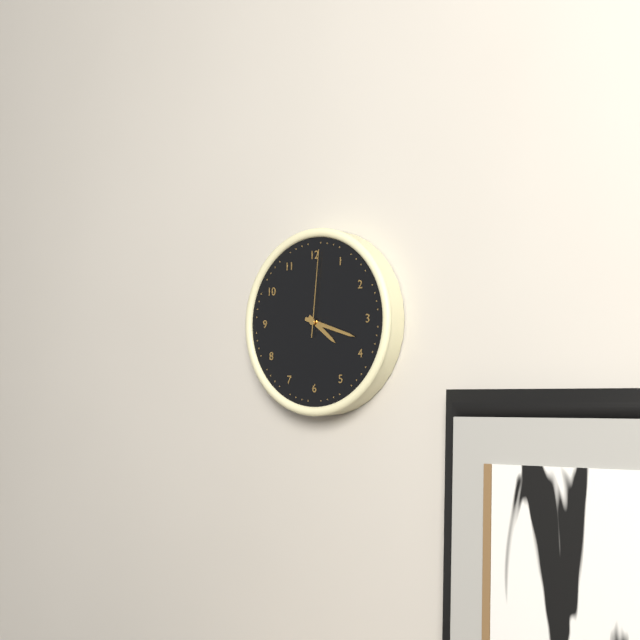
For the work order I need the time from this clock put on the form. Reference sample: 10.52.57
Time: 4.18.01
